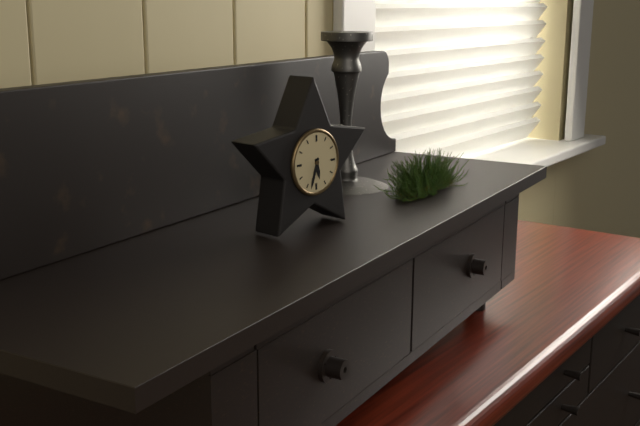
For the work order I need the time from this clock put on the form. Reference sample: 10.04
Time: 5.33
